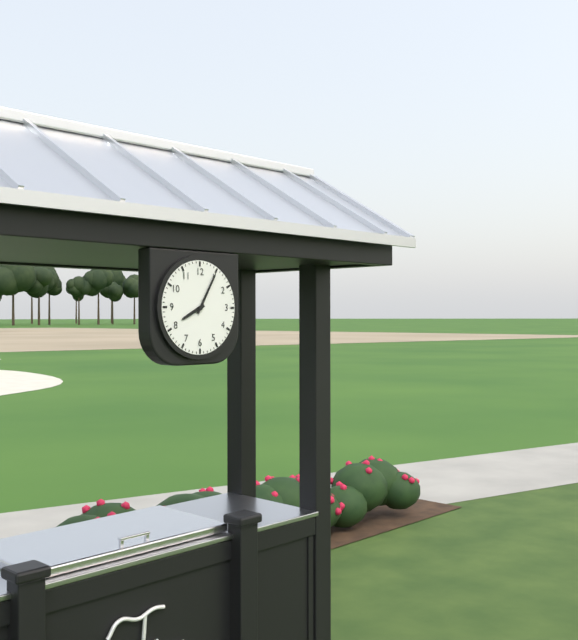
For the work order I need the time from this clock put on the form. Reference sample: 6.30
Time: 8.05
